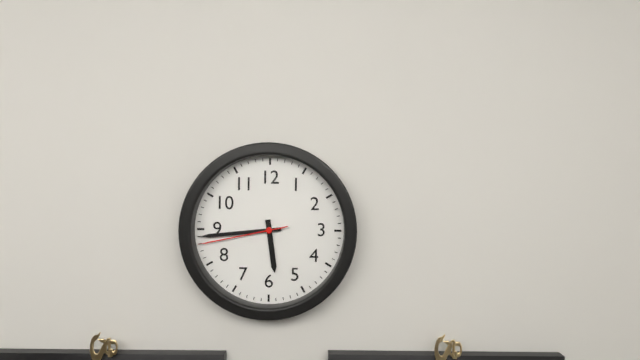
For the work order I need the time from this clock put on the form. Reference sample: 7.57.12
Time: 5.44.43
